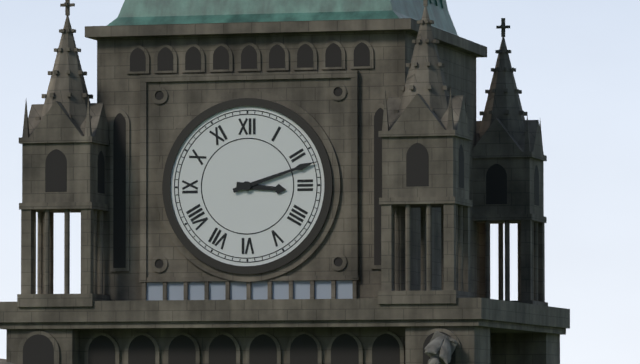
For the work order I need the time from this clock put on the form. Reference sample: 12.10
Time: 3.12
